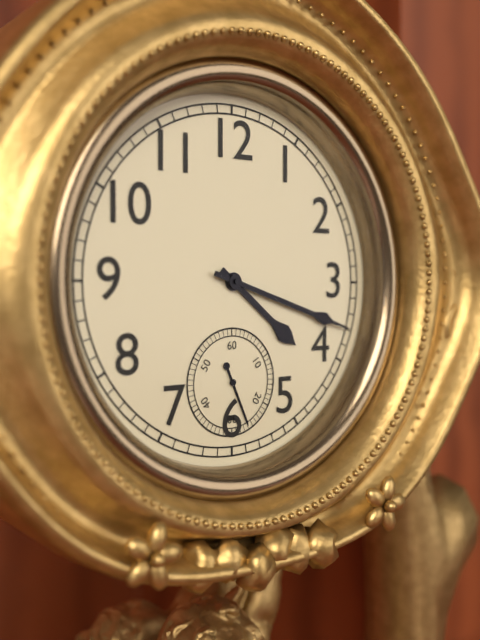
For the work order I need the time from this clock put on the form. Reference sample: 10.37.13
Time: 4.18.26
